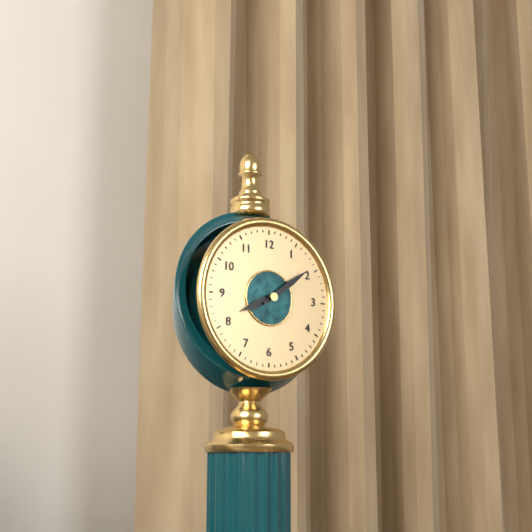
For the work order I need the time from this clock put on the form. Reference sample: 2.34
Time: 8.09
